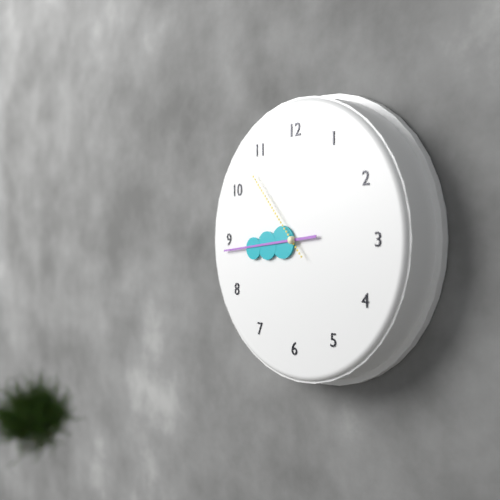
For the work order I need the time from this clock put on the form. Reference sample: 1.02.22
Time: 8.44.53
